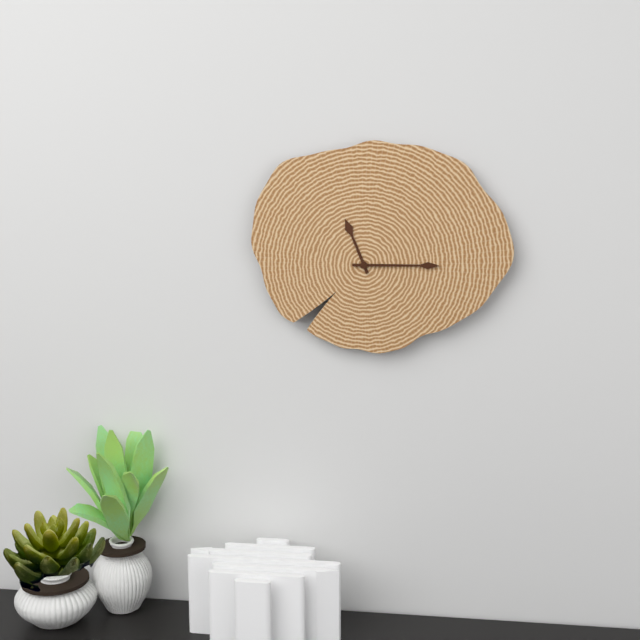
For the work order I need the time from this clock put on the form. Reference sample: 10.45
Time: 11.15
